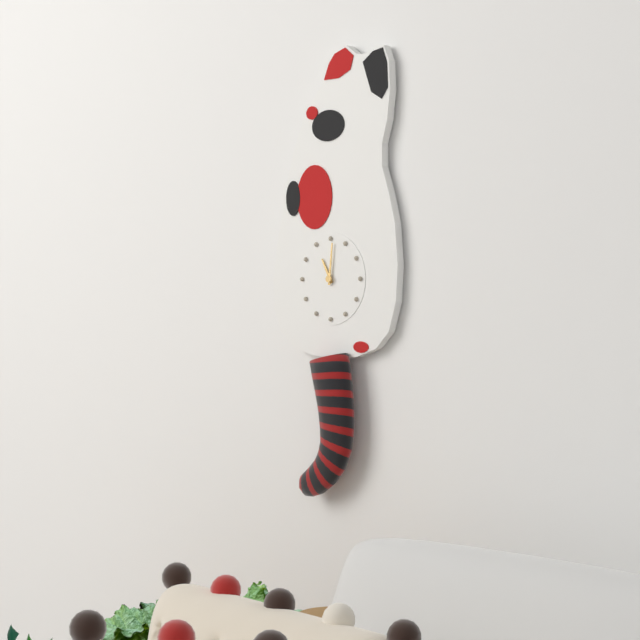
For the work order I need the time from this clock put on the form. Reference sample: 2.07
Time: 11.01
